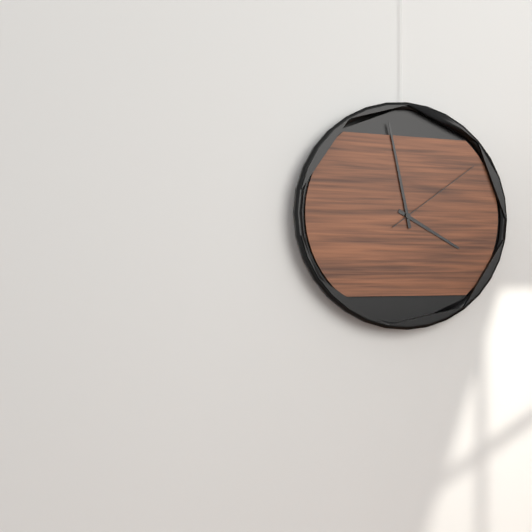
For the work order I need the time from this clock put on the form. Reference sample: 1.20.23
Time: 3.58.09
